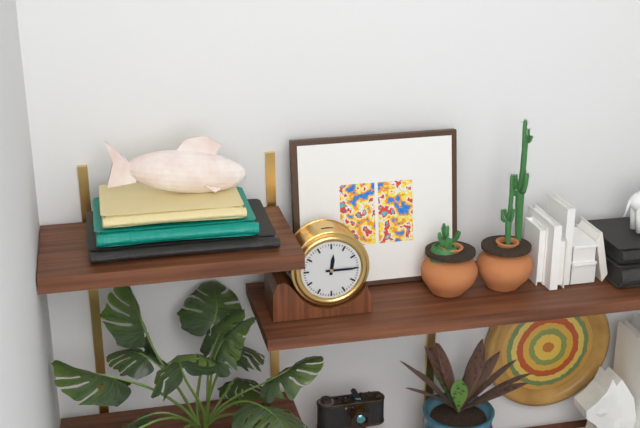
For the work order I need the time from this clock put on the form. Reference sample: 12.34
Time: 12.15
